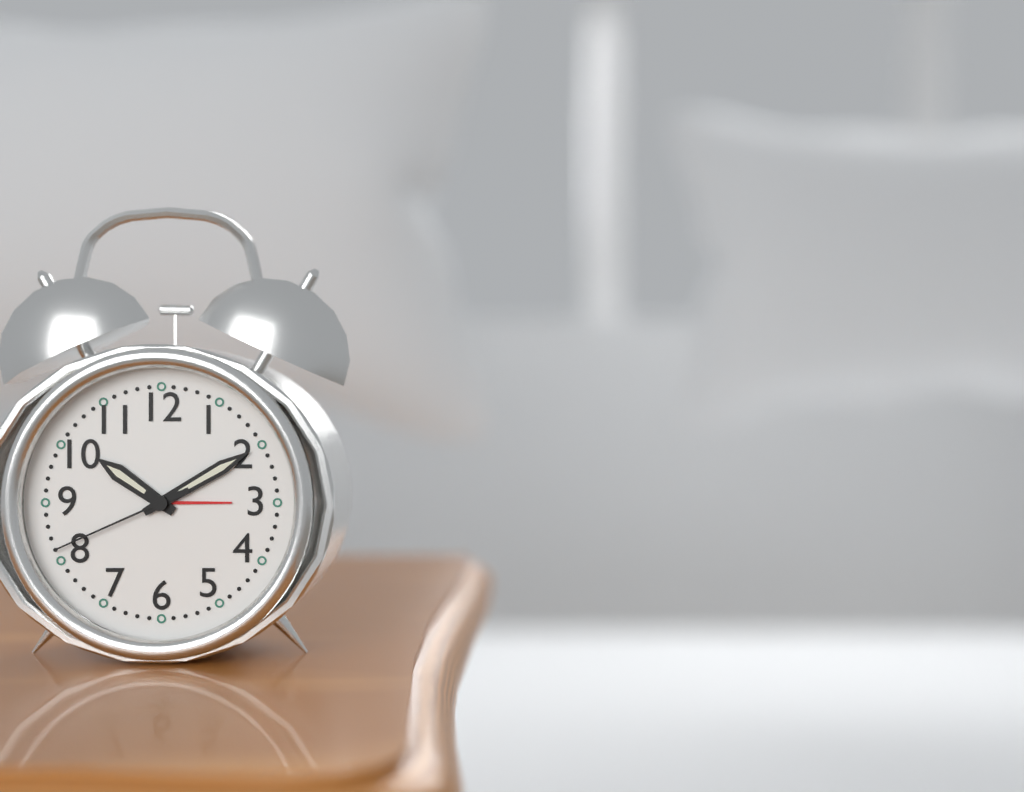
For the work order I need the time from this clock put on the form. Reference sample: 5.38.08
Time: 10.10.41
